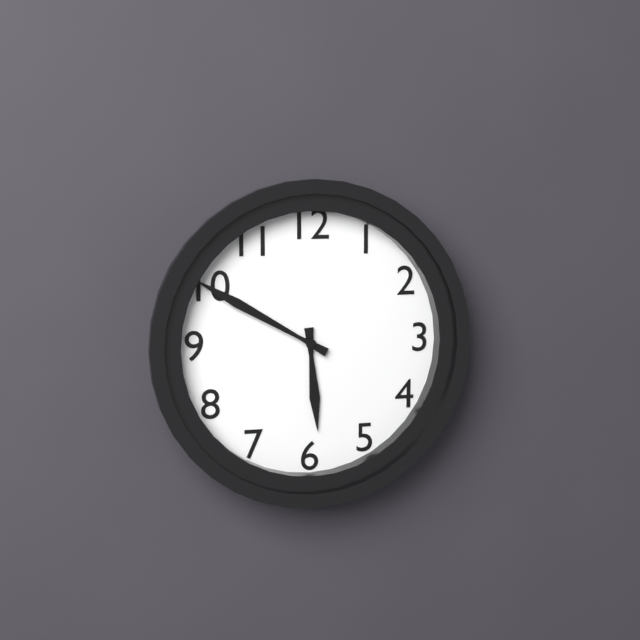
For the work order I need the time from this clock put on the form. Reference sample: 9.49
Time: 5.50
